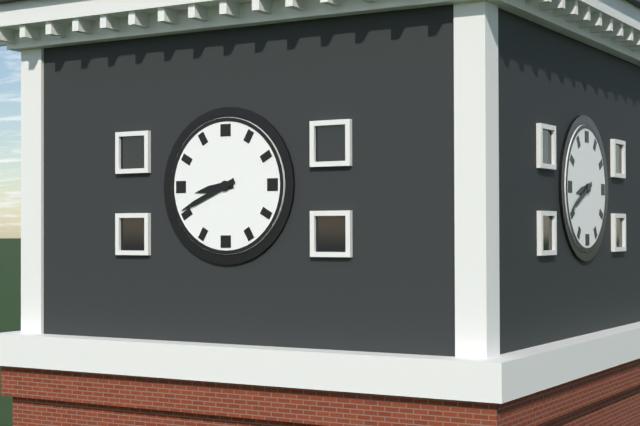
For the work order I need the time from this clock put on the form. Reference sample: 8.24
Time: 8.41
